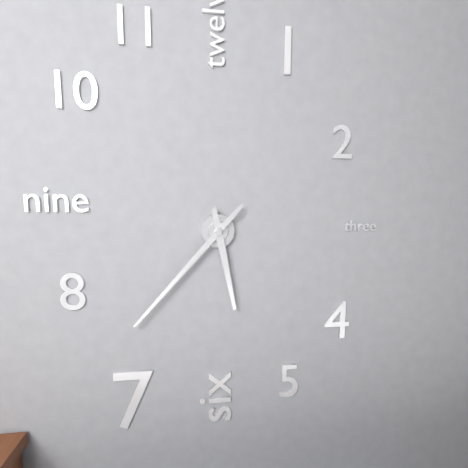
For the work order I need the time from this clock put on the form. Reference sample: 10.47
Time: 5.37
